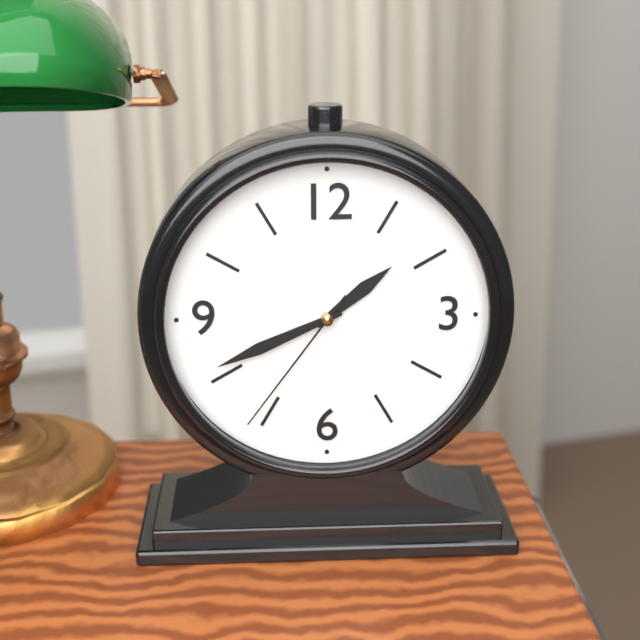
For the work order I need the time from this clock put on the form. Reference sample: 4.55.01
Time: 1.41.36
